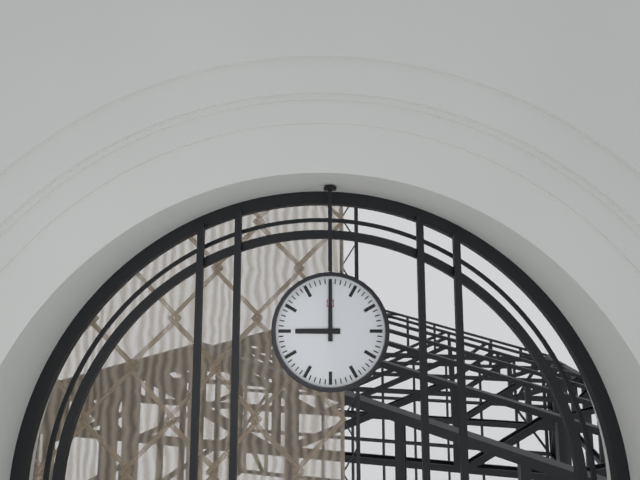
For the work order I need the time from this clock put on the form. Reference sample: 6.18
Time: 9.00
